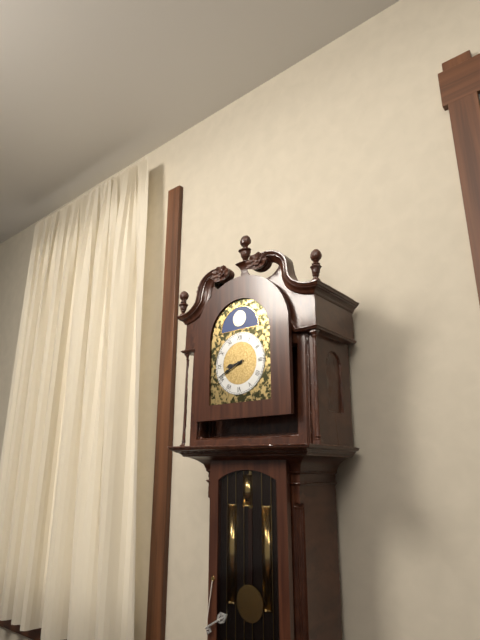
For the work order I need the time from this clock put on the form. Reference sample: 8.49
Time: 8.41
